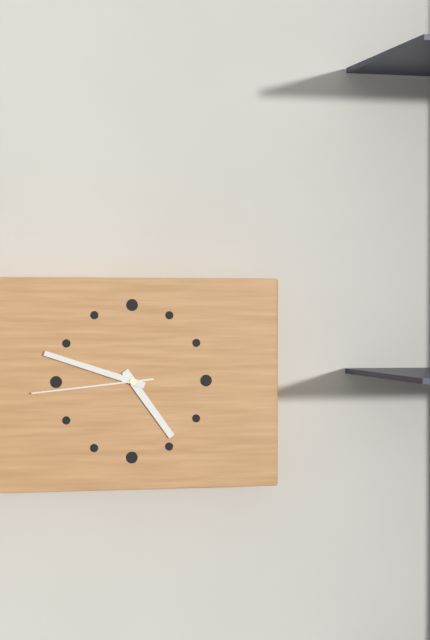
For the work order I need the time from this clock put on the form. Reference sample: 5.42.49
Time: 4.48.44
